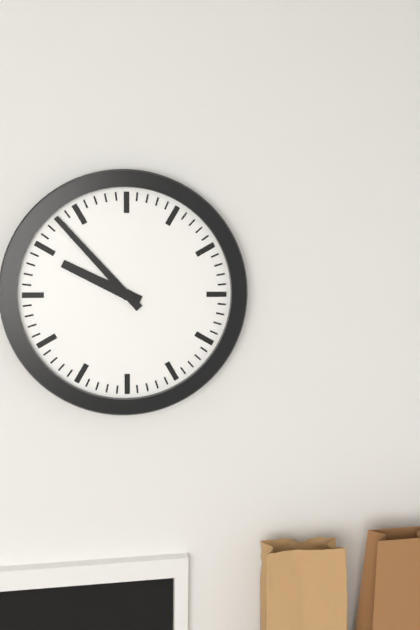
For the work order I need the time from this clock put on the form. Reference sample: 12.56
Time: 9.53
